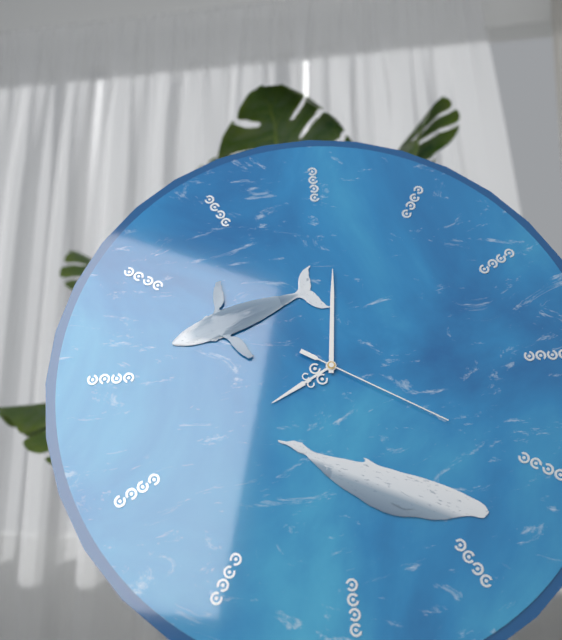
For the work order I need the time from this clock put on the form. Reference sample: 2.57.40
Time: 8.01.20
